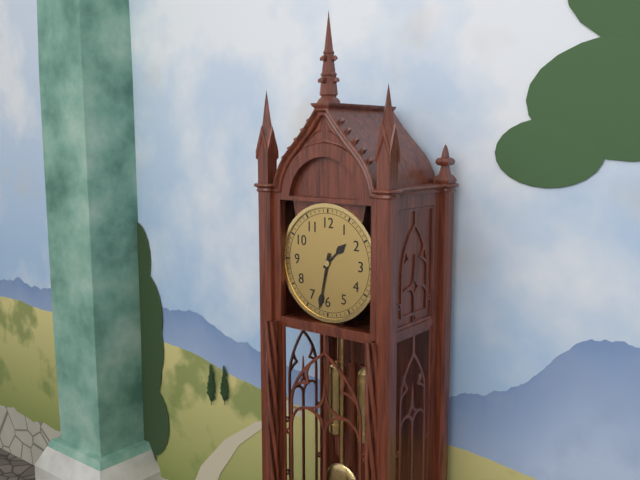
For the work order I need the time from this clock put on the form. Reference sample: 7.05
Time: 1.32
